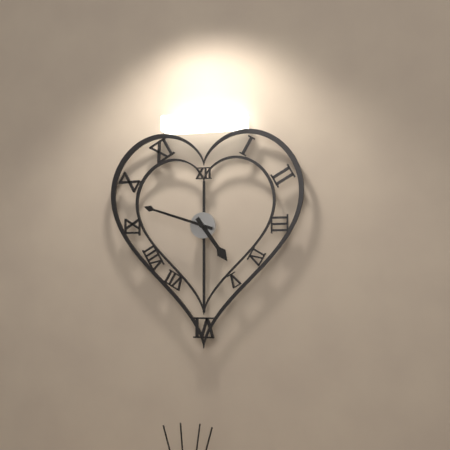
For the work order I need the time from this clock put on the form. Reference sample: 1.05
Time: 4.48
